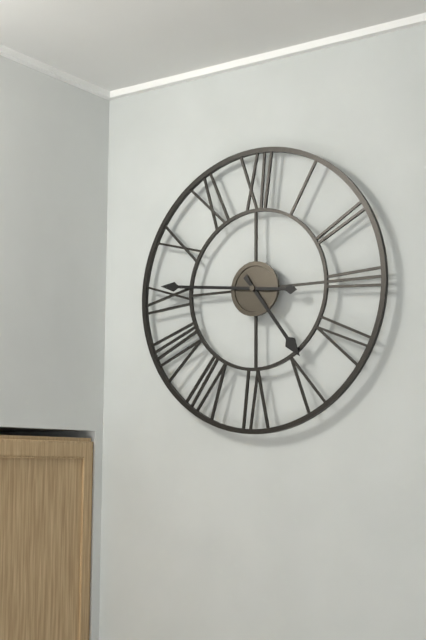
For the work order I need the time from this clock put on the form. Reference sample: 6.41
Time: 4.46
